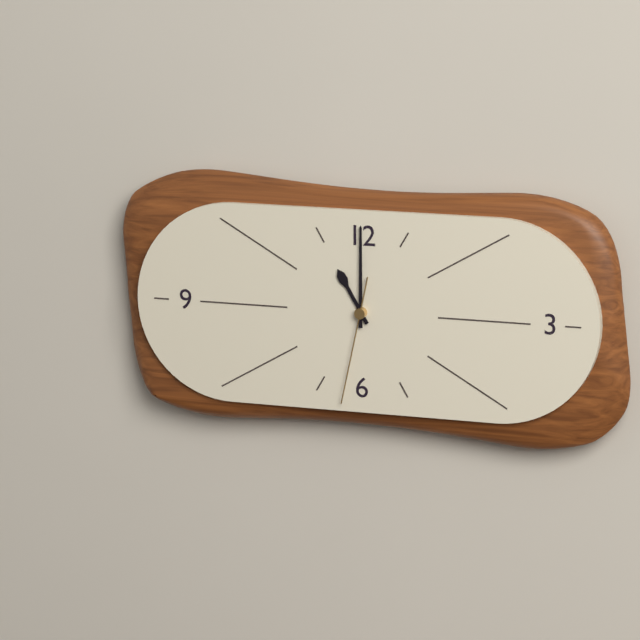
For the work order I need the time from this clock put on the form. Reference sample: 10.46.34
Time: 11.00.32
